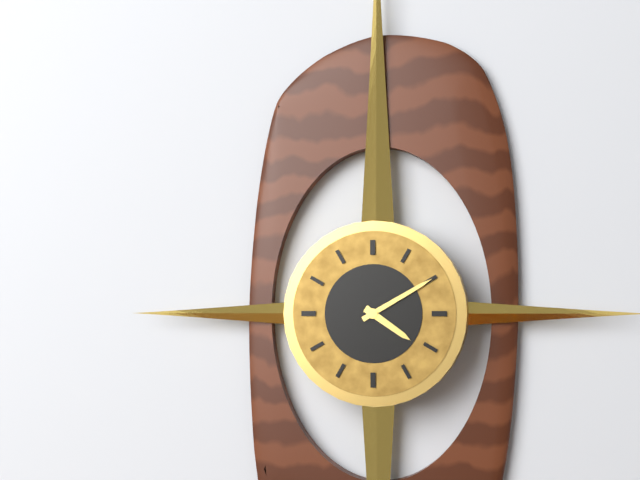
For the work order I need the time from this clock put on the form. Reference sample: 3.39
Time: 4.10
